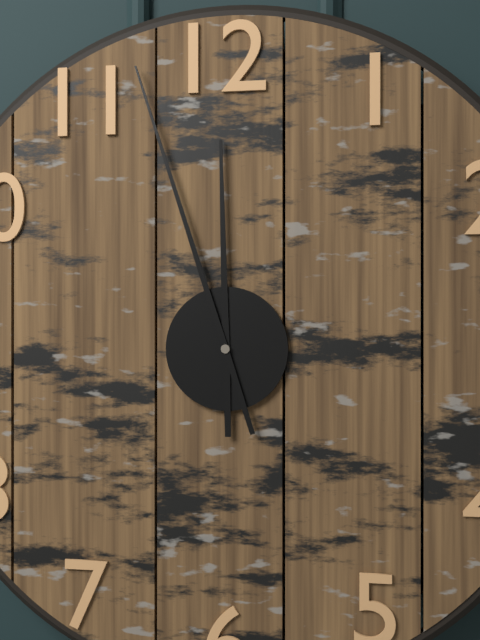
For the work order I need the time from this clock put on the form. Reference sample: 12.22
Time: 11.57
